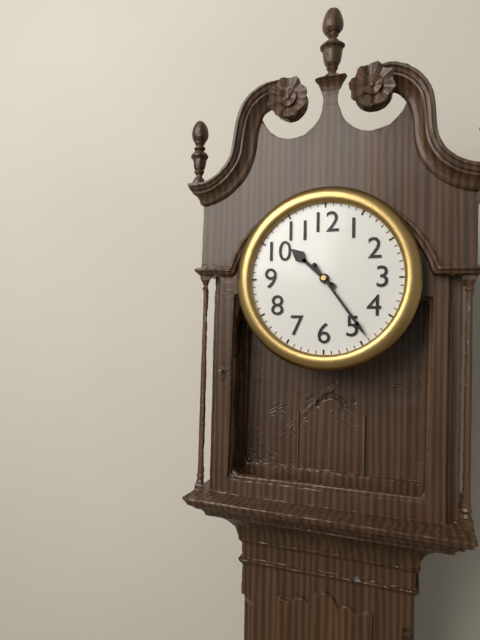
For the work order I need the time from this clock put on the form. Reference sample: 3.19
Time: 10.24
